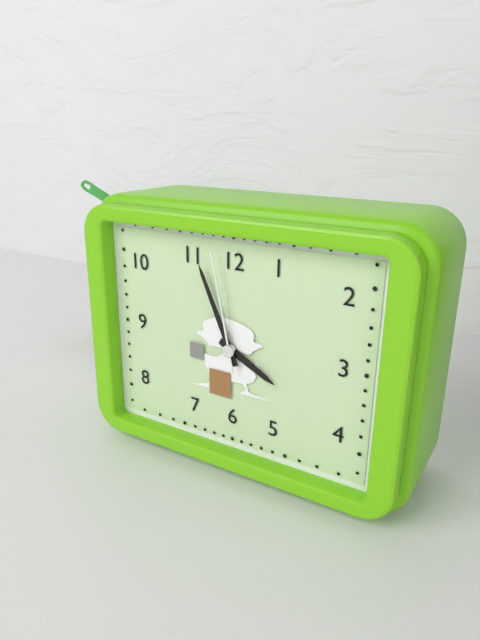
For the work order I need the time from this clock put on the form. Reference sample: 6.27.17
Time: 3.56.58
